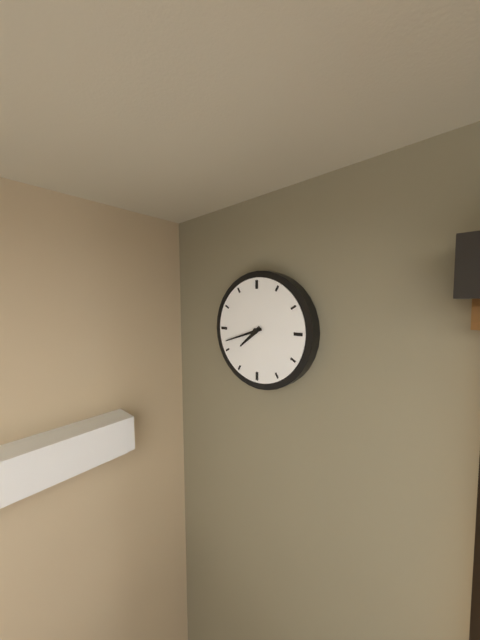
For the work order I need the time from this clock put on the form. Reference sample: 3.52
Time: 7.42
